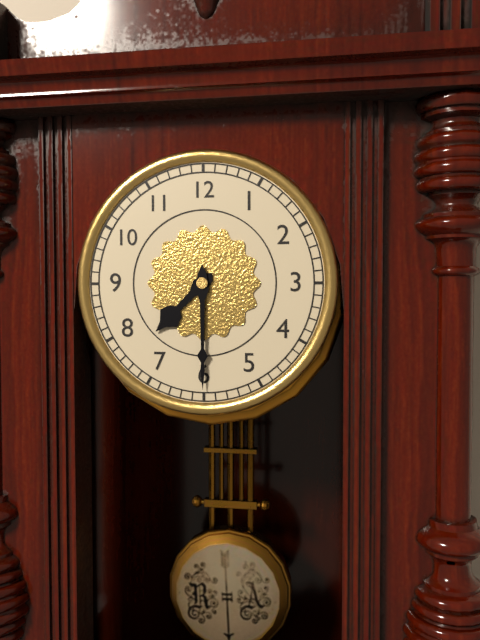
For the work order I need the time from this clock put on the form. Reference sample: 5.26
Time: 7.30
